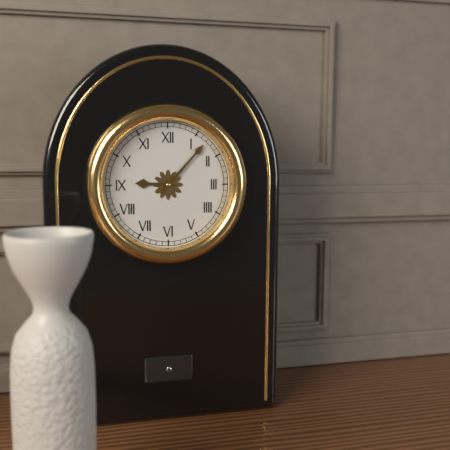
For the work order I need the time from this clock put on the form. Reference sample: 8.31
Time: 9.07
